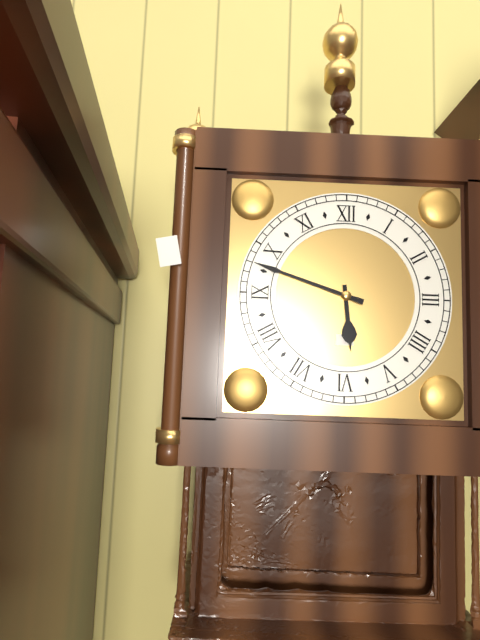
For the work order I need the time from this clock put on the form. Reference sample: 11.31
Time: 5.48
